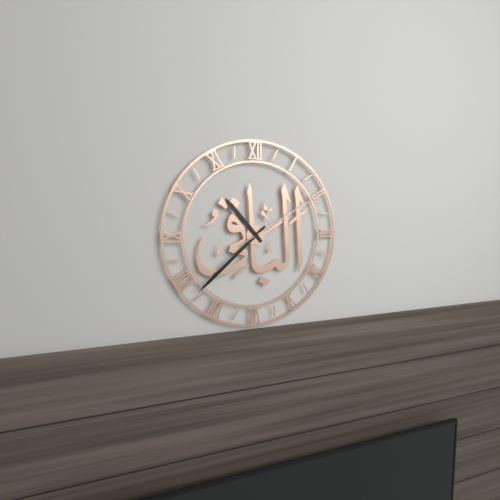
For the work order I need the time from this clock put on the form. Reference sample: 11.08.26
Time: 10.38.10
